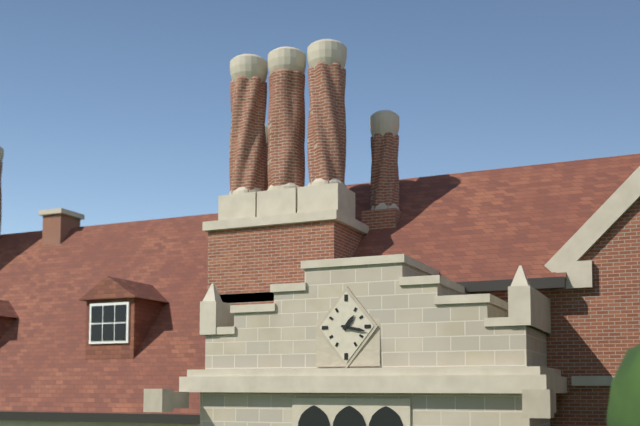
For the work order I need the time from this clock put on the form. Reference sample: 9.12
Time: 1.17
